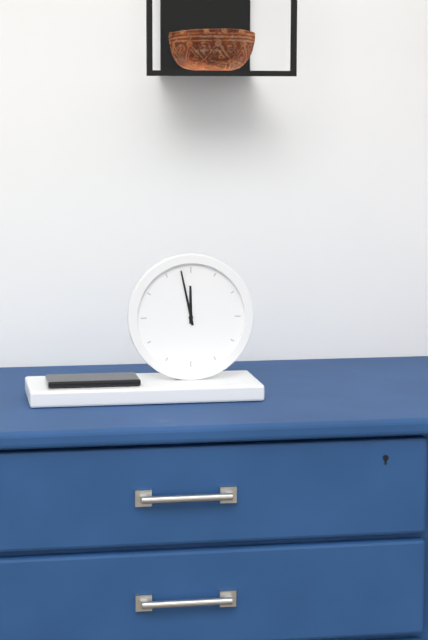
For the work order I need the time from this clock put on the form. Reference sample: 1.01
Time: 11.58
